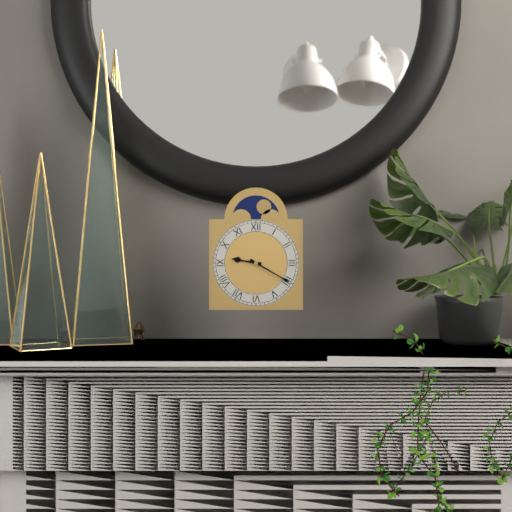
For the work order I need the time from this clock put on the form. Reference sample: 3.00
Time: 9.20
